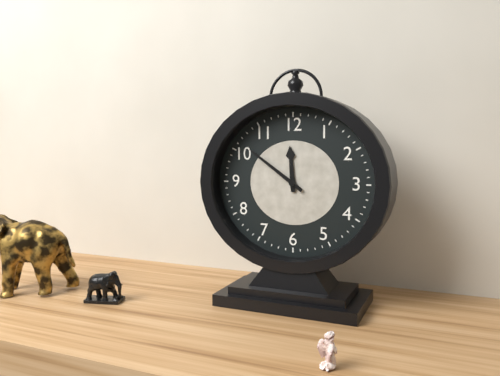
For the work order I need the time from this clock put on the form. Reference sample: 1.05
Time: 11.51
